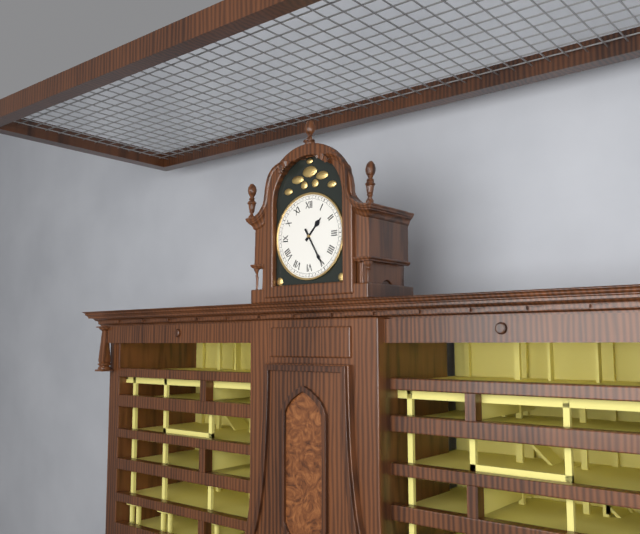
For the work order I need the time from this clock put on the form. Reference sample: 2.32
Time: 1.25
